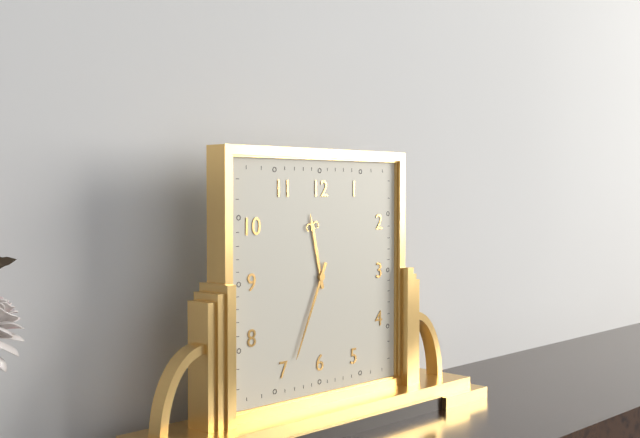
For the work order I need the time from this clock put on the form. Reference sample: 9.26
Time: 11.34
